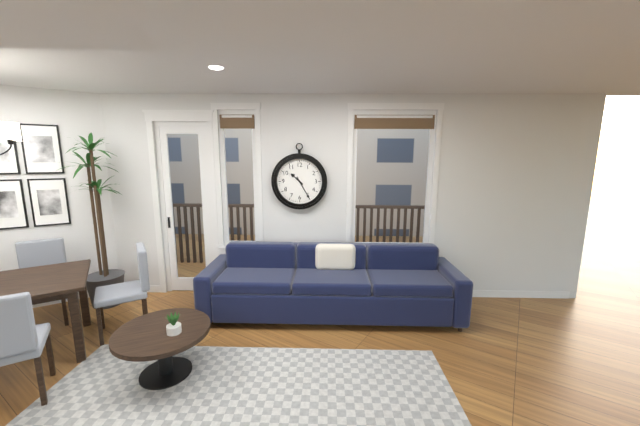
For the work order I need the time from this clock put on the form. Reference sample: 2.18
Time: 10.25
